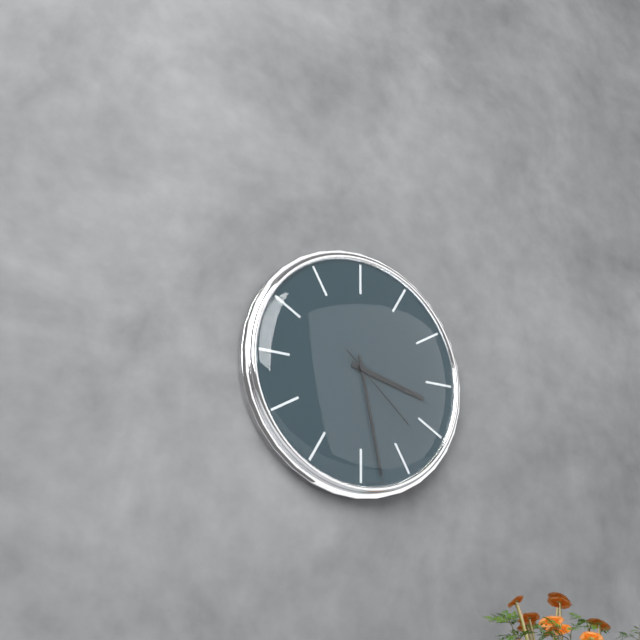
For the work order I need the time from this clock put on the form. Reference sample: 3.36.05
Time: 3.28.22
